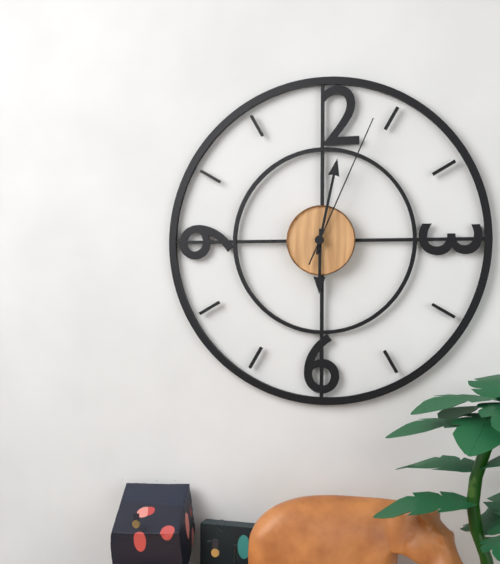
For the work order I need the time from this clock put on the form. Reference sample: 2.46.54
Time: 6.02.04
